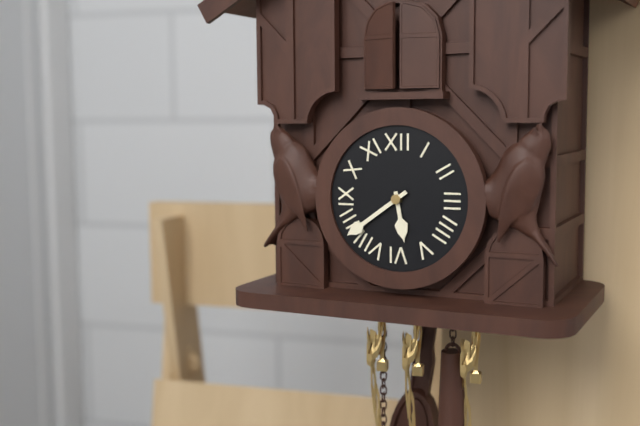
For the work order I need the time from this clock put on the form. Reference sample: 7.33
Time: 5.39
